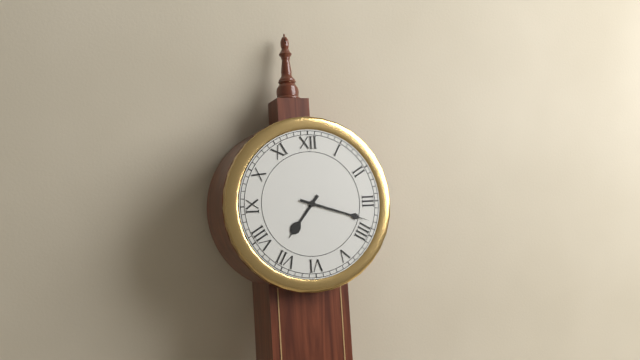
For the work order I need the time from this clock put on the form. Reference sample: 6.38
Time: 7.18
